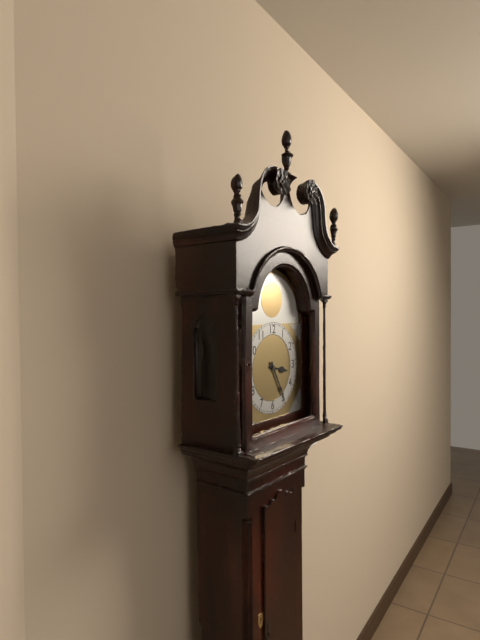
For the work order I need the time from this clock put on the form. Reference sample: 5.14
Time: 3.25
